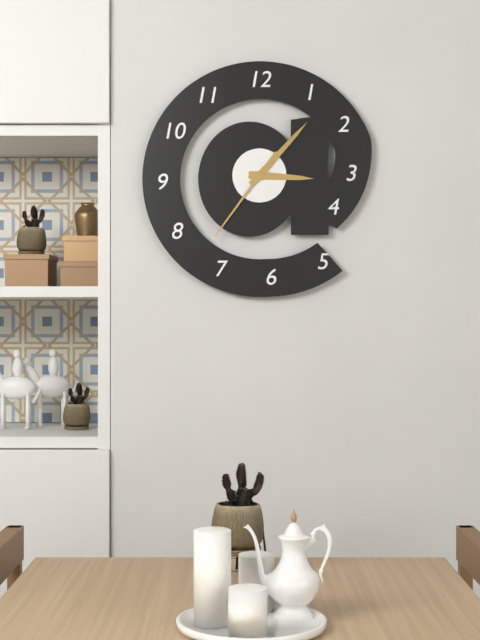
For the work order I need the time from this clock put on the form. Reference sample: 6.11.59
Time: 3.07.36
